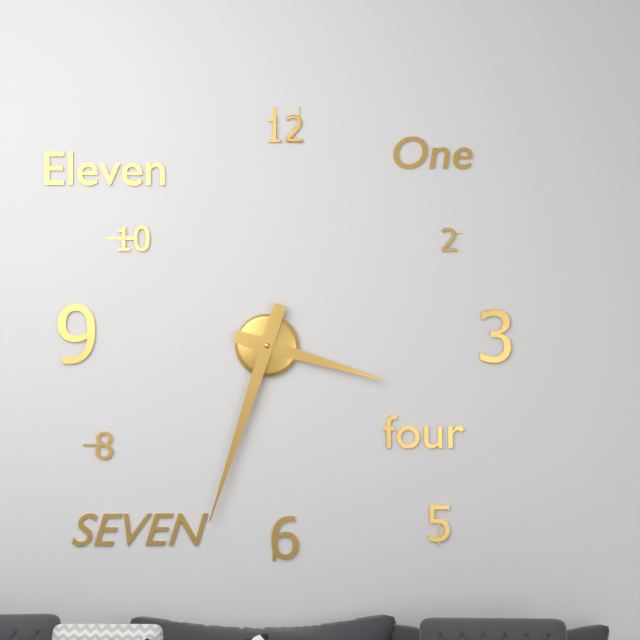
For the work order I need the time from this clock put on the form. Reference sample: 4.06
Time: 3.33
